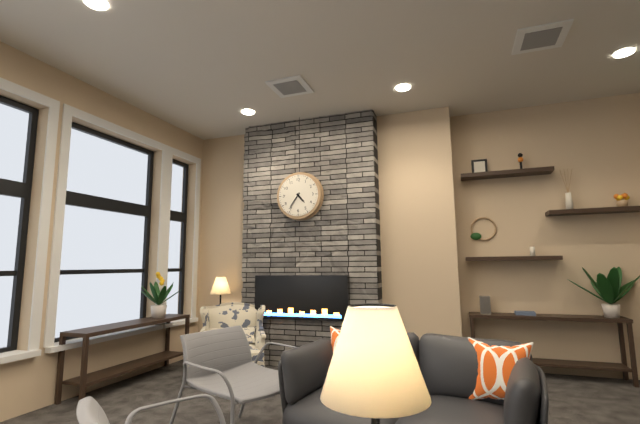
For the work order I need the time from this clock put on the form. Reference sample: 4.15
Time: 4.36
